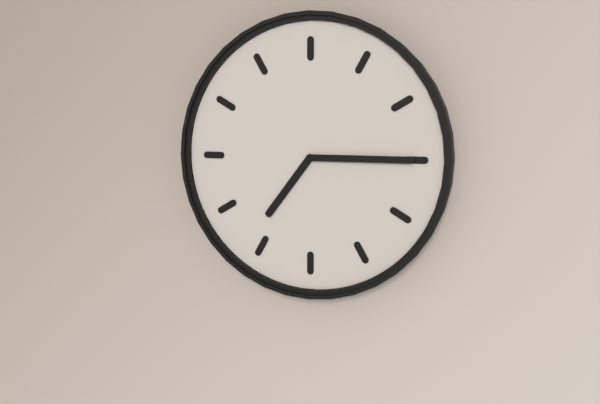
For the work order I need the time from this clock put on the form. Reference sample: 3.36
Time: 7.15
